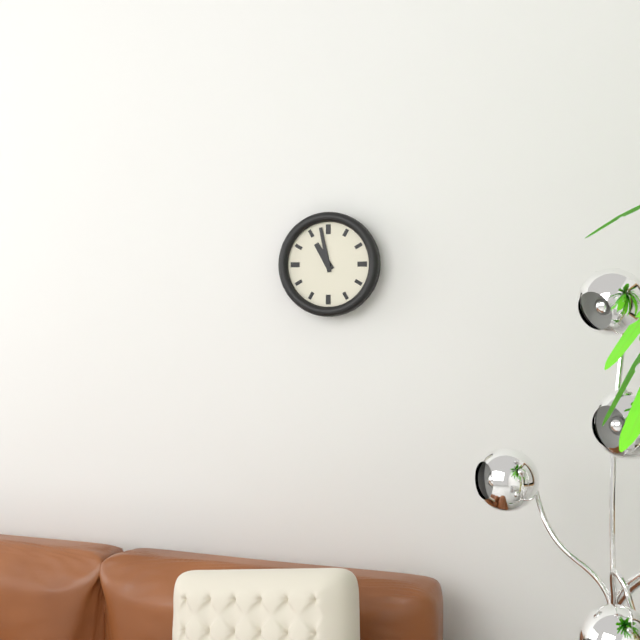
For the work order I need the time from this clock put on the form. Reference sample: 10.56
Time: 10.58
